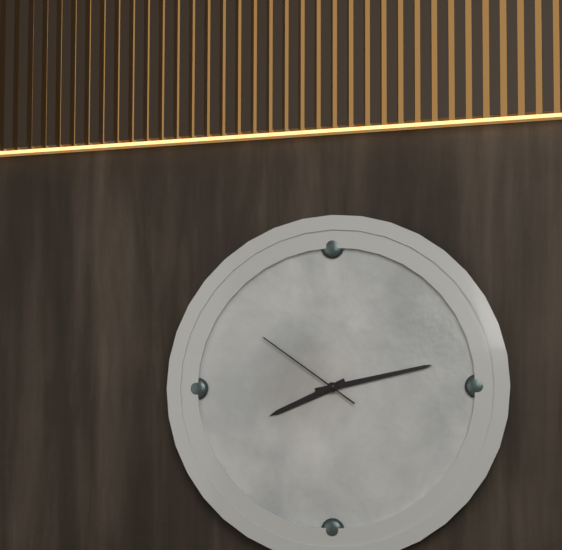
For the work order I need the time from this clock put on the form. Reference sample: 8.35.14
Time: 8.13.51
